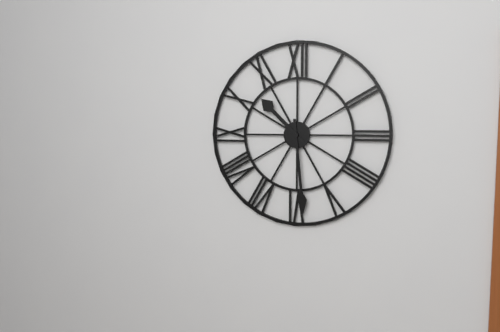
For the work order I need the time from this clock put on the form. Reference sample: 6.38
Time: 10.29
